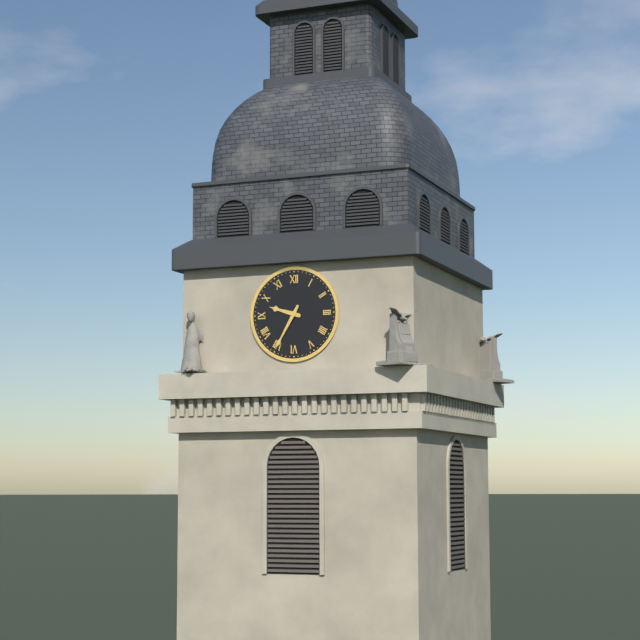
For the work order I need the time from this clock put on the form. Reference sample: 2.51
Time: 9.35
